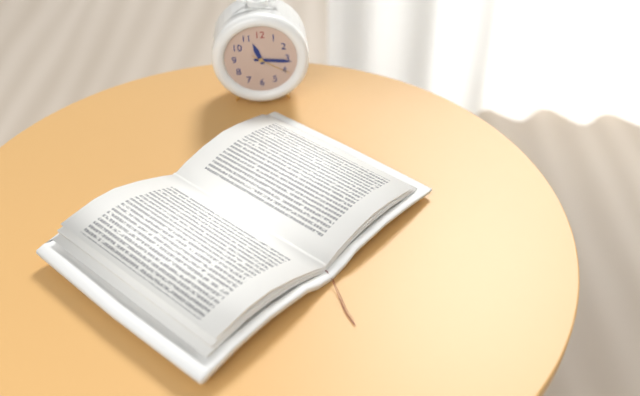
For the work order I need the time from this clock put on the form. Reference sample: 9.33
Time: 11.16
